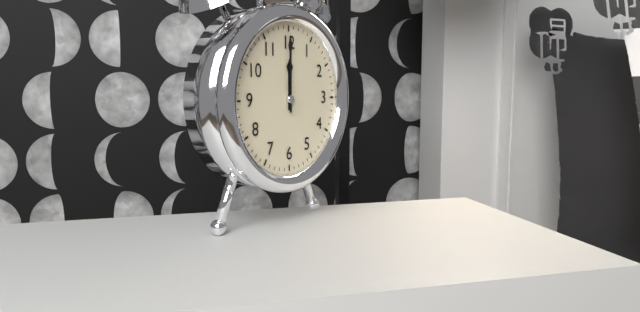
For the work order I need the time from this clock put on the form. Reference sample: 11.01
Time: 12.00
